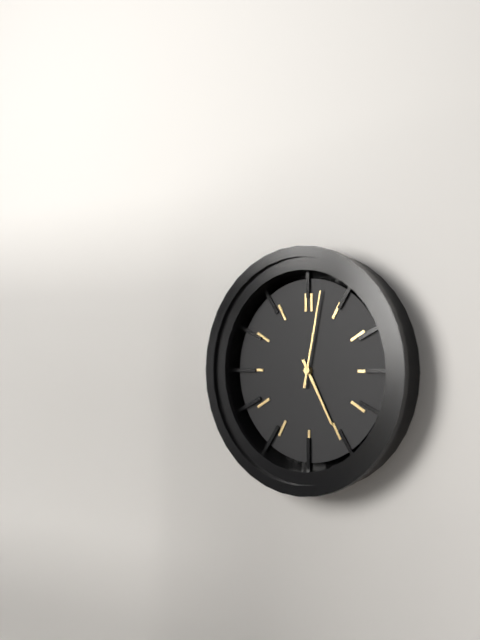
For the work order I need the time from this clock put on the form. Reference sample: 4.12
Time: 5.02
